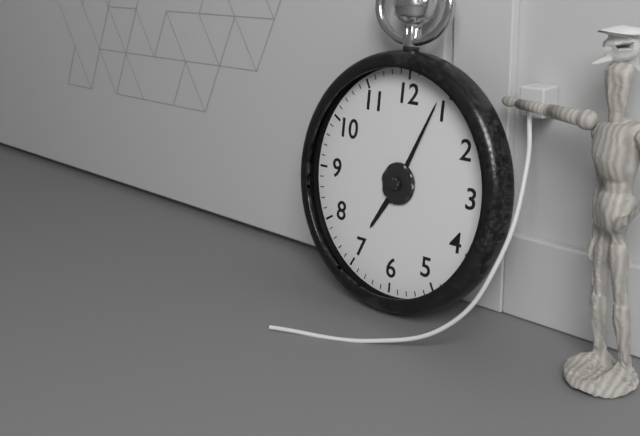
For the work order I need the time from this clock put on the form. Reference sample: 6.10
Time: 7.04
